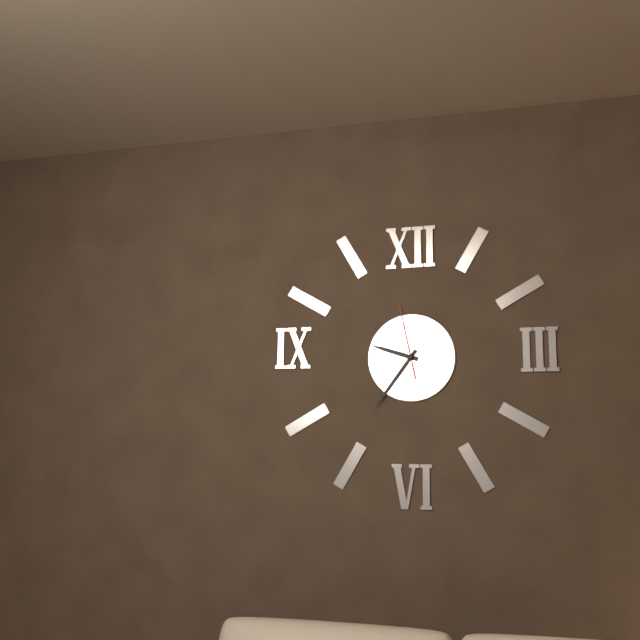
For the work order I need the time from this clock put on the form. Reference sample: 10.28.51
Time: 9.36.58
